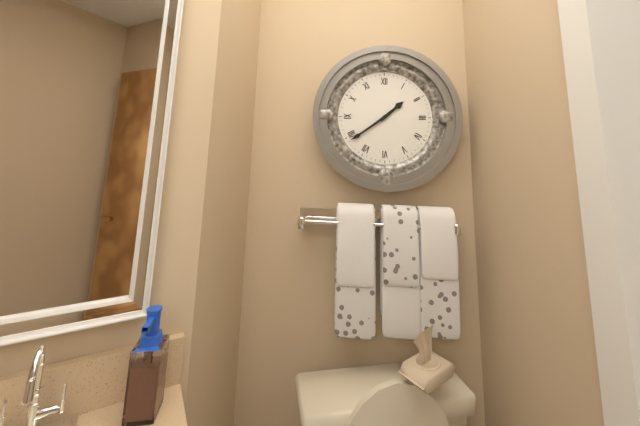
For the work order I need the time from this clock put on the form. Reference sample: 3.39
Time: 1.39
